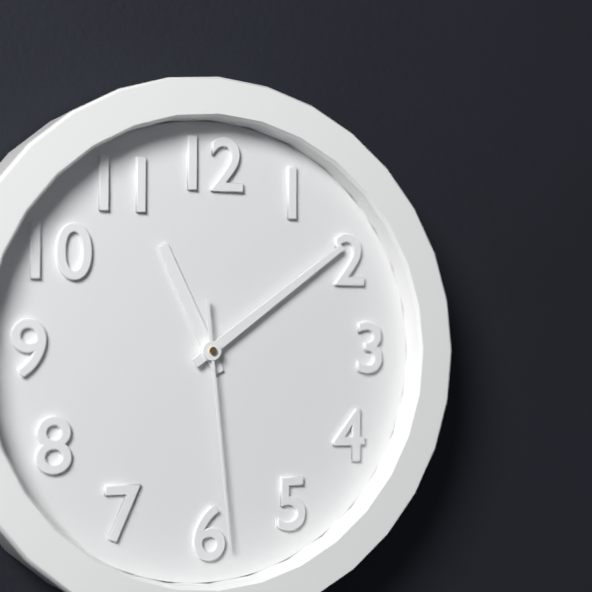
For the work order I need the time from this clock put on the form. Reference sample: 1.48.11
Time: 11.09.29
